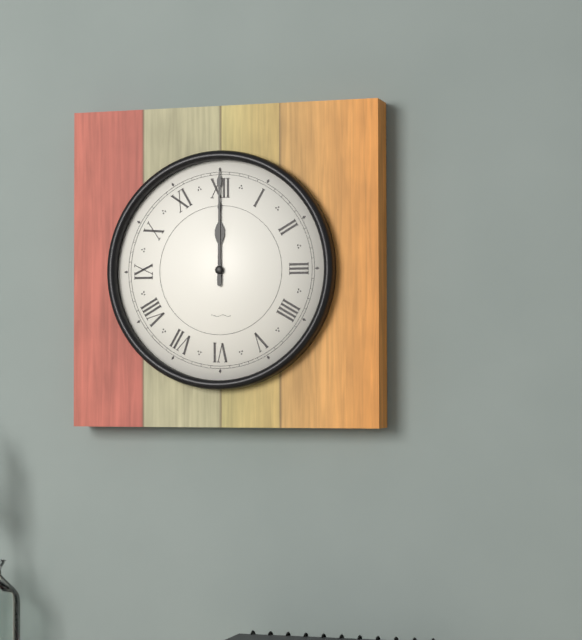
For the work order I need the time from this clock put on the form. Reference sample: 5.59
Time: 12.00
